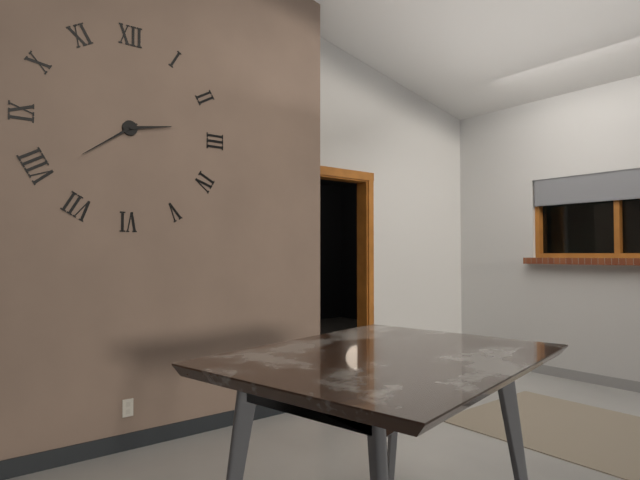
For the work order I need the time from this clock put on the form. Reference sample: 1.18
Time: 2.39
